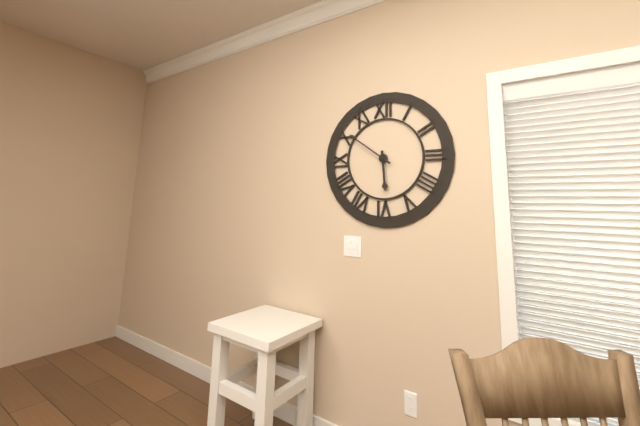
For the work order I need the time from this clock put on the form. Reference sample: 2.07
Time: 5.51
